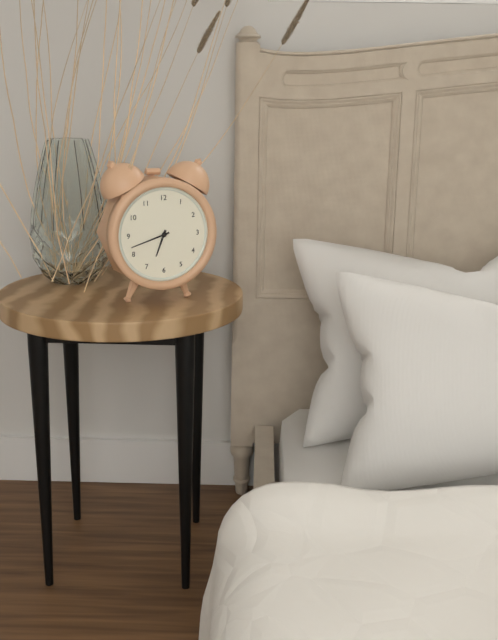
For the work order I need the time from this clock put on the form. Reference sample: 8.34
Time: 6.42
